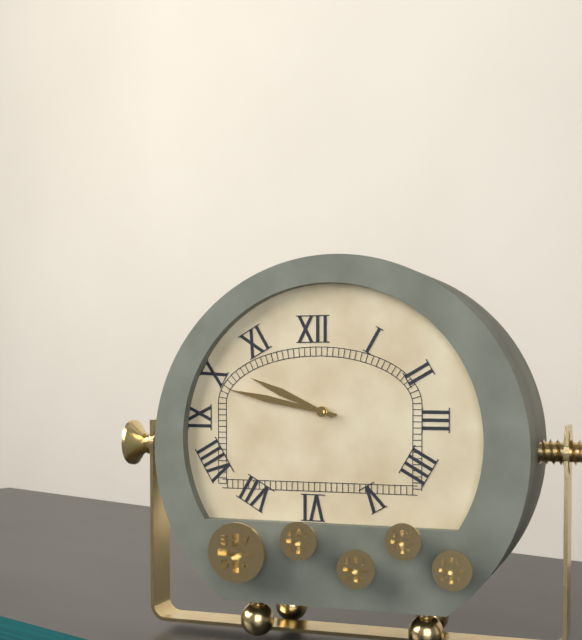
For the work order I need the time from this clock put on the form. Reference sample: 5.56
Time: 9.47
